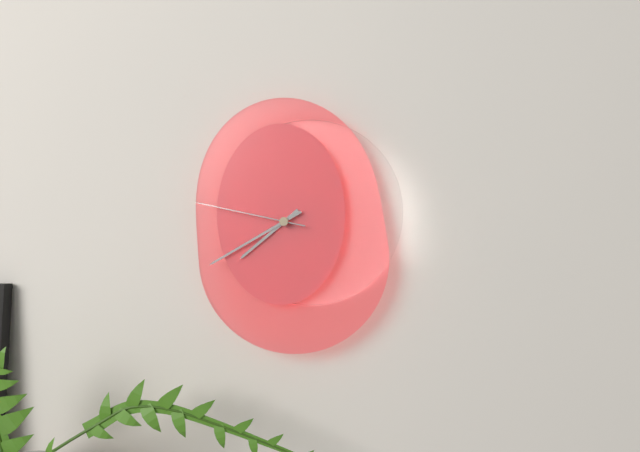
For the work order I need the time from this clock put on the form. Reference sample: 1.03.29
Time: 7.40.47
